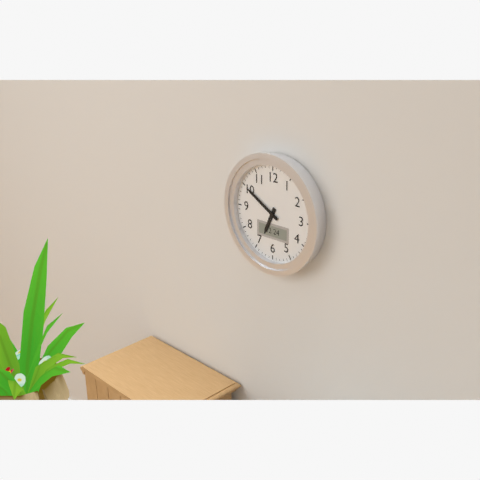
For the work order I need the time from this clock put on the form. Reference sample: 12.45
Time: 6.50
